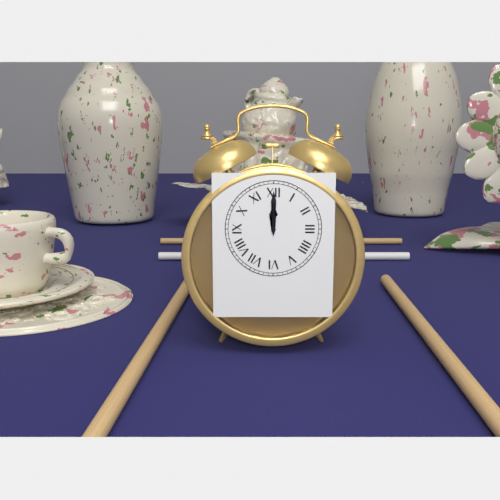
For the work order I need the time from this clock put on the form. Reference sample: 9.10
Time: 12.00
